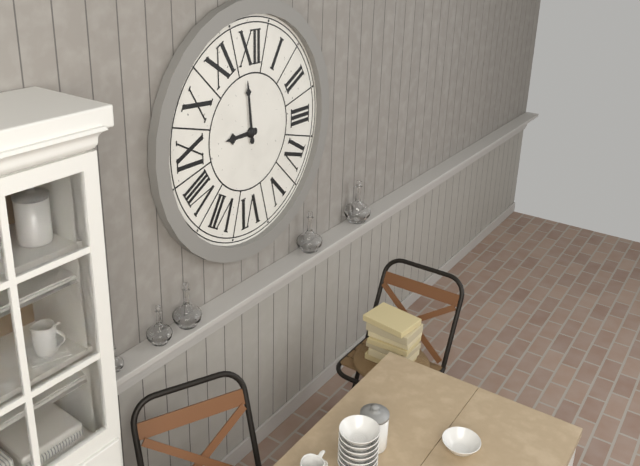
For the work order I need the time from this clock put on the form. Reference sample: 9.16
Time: 8.59
